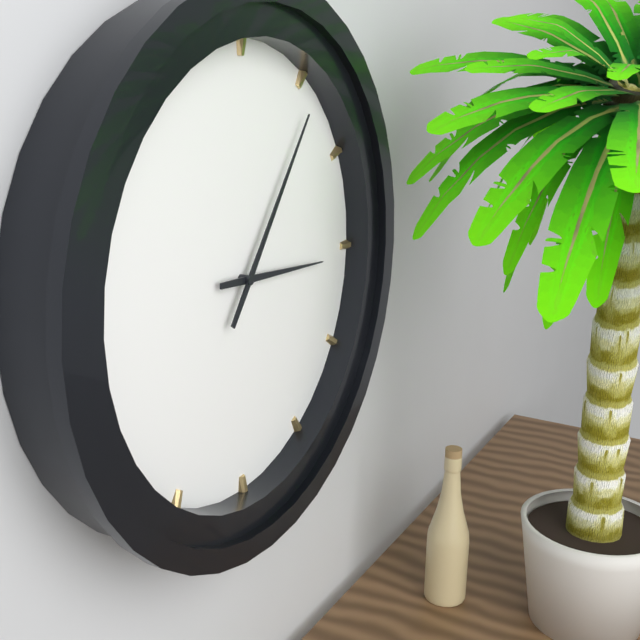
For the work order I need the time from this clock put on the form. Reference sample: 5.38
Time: 3.06
